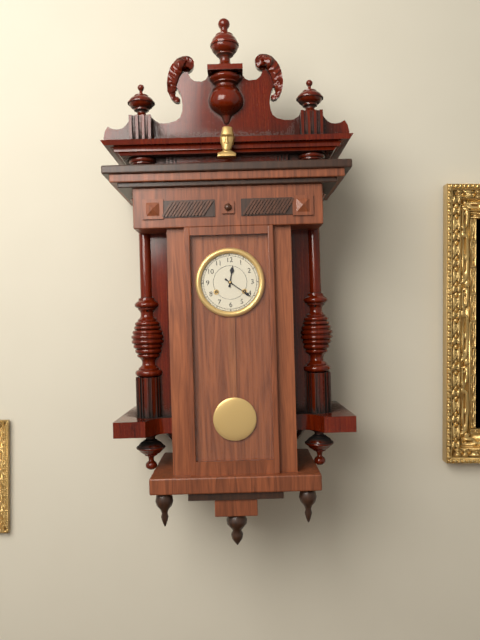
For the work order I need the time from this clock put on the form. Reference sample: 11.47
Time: 12.21
